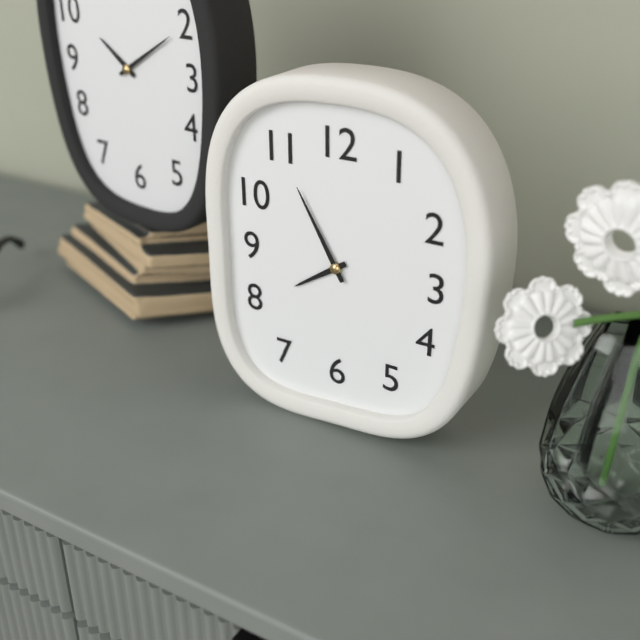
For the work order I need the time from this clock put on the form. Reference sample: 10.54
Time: 7.55
